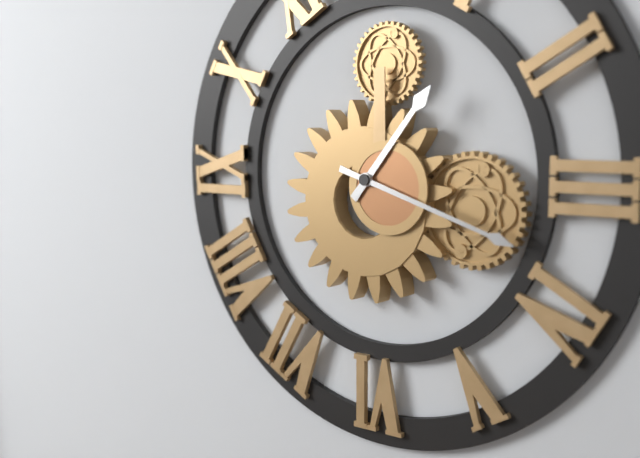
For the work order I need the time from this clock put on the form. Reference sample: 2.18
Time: 1.18
